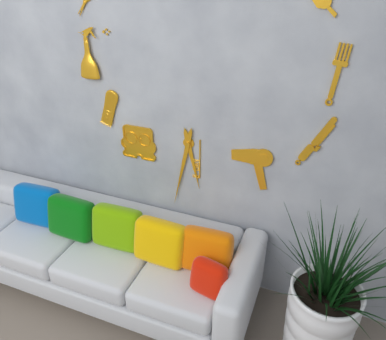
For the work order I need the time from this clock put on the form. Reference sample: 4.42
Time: 5.32
